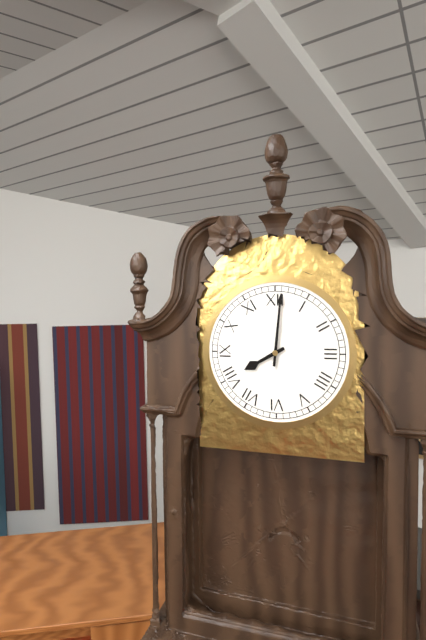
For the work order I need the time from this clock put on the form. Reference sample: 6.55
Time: 8.01
